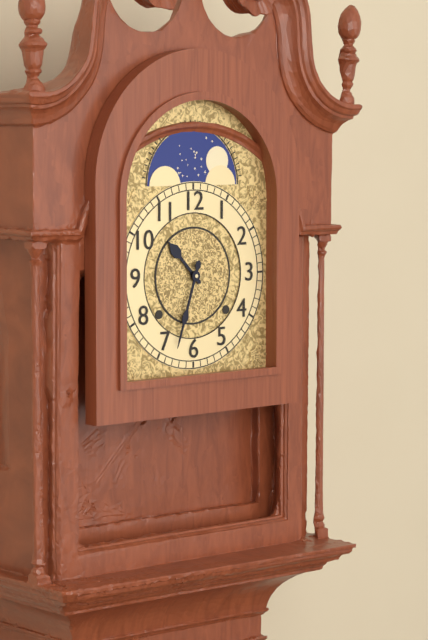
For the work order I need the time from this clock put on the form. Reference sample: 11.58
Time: 10.33
